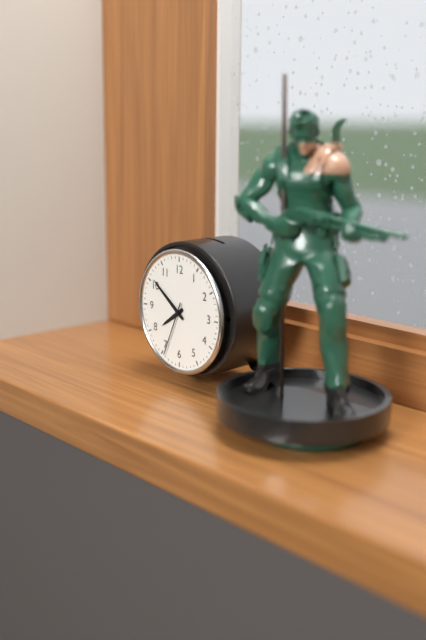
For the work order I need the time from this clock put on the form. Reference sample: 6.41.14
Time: 7.51.34
